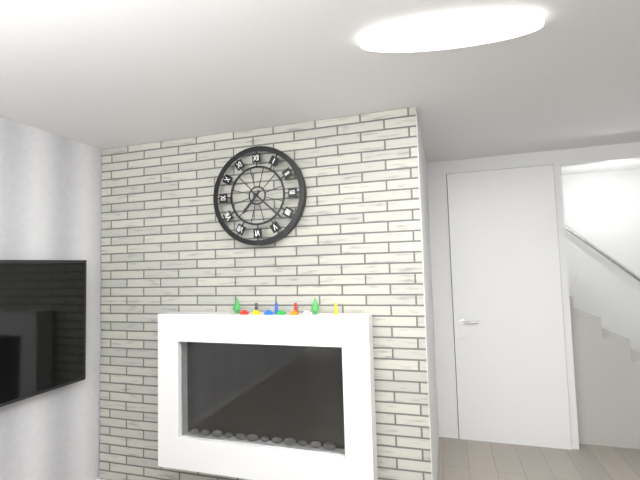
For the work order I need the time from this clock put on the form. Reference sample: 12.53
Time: 7.22
